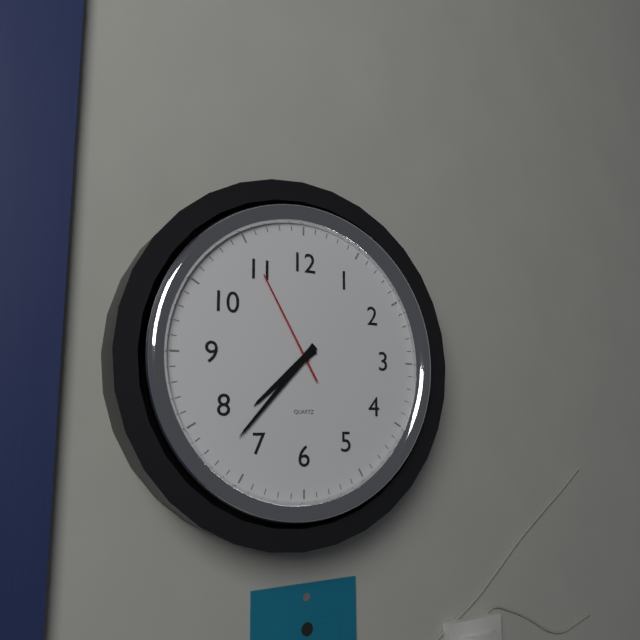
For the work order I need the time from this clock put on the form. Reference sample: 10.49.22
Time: 7.37.55
